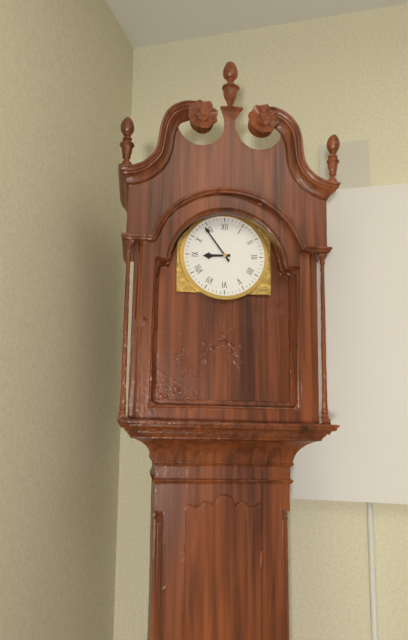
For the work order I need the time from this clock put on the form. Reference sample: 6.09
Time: 8.54
